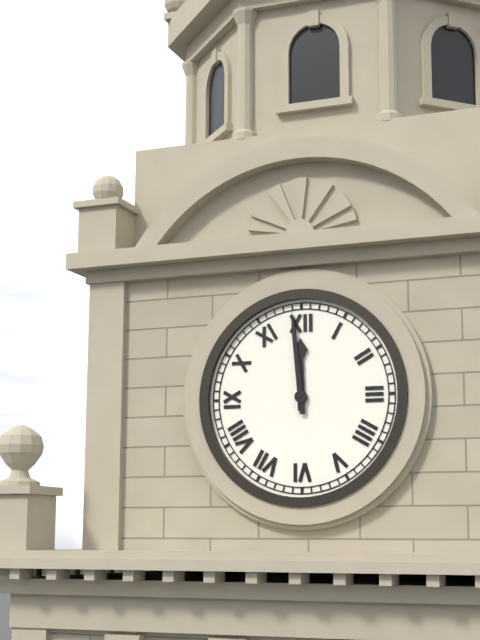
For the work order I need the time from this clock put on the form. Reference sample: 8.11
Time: 11.59
